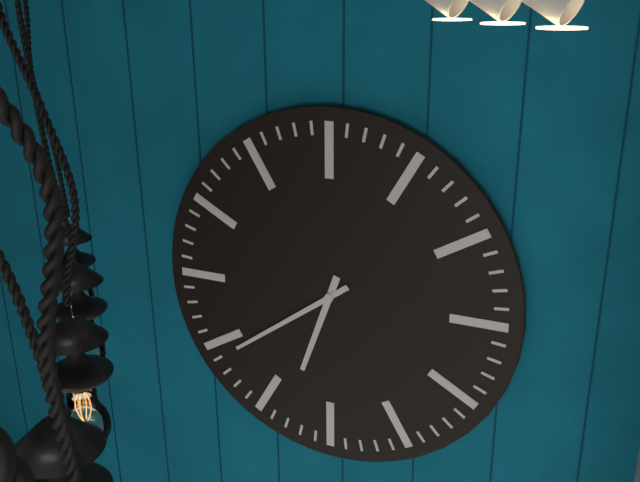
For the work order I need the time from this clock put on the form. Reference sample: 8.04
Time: 6.39
